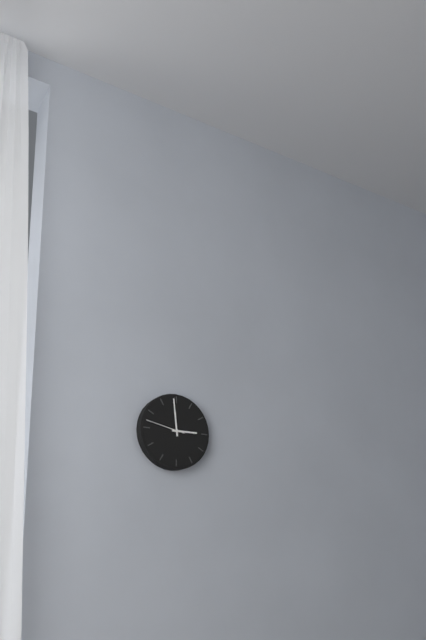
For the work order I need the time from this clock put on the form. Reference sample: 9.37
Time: 2.59
